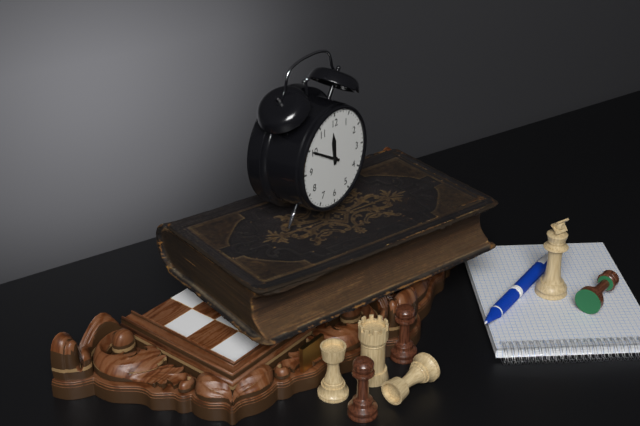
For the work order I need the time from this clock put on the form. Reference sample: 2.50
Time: 11.50
